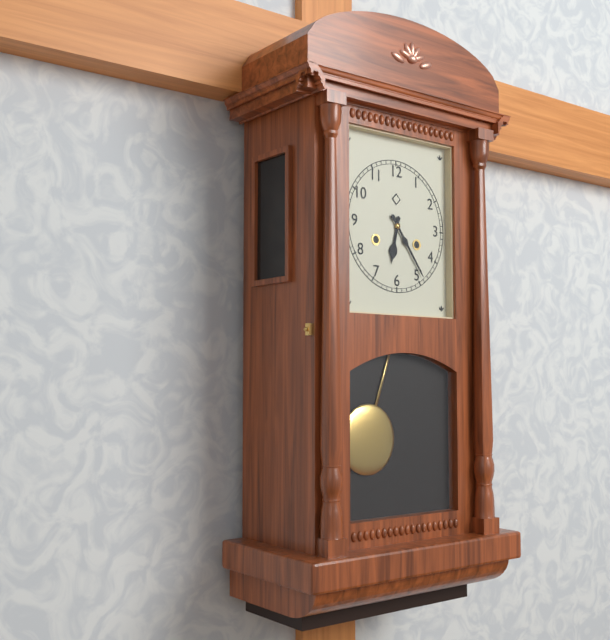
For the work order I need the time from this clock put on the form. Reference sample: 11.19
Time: 6.24
